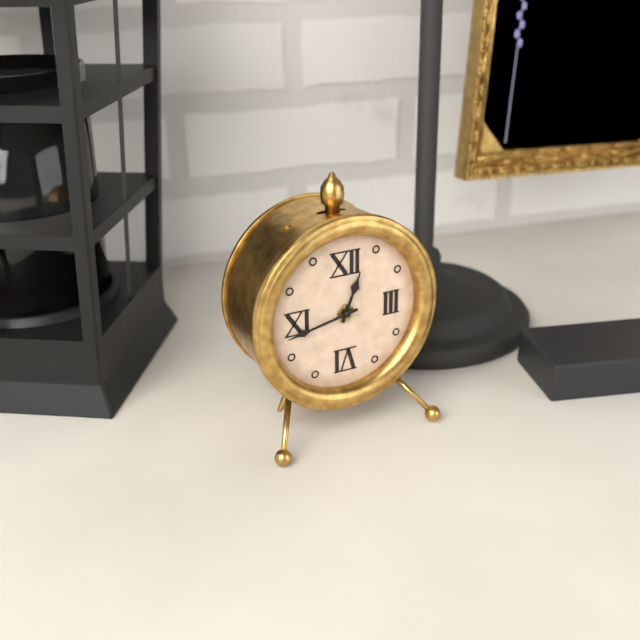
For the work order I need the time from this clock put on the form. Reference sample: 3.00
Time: 12.43
